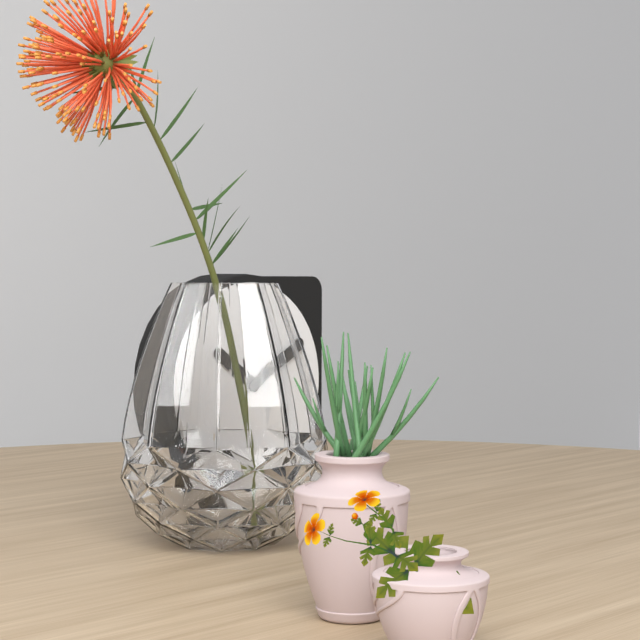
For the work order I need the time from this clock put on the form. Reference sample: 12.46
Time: 10.10
